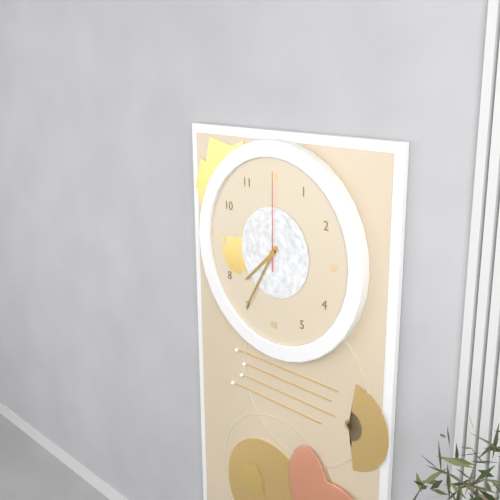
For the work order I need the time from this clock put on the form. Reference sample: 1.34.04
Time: 7.35.00
